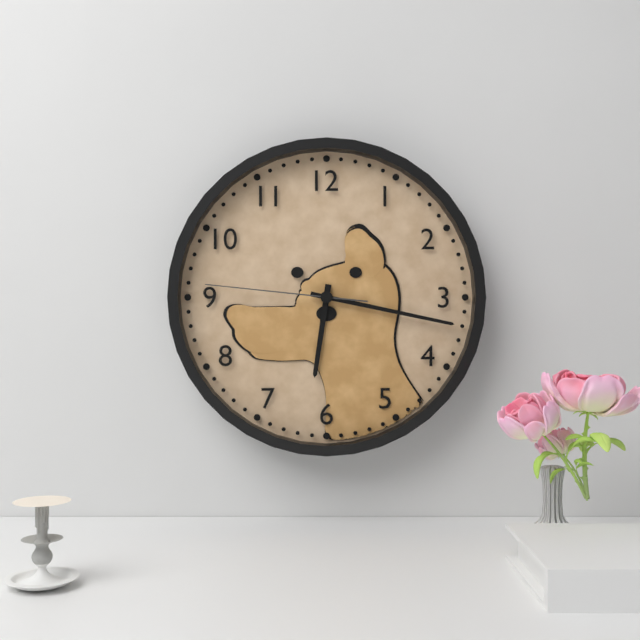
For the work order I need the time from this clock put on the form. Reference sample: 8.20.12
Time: 6.17.46
